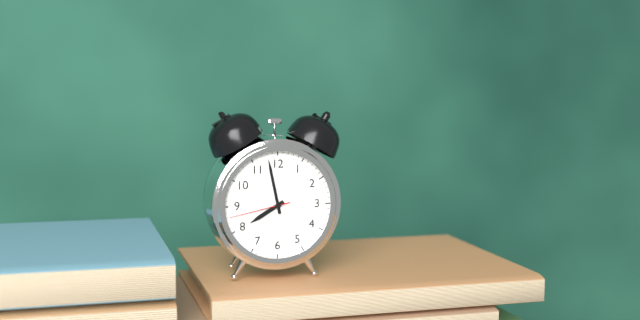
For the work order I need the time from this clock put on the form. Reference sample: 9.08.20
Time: 7.58.43
